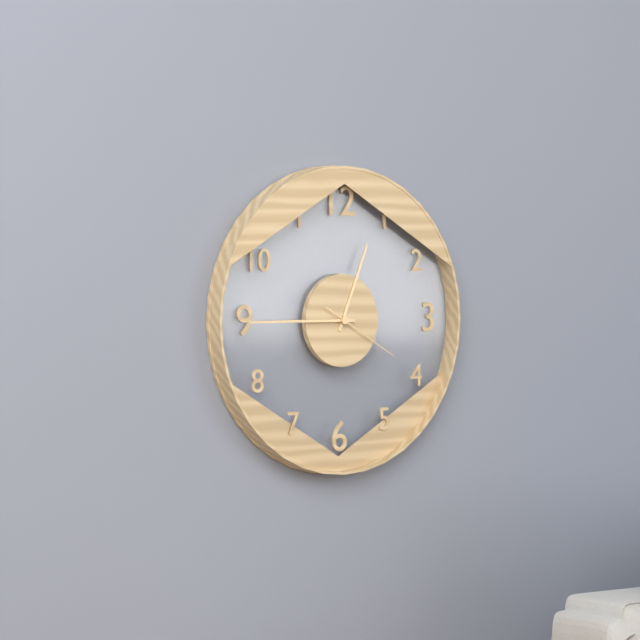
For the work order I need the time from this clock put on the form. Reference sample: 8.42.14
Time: 12.45.20
